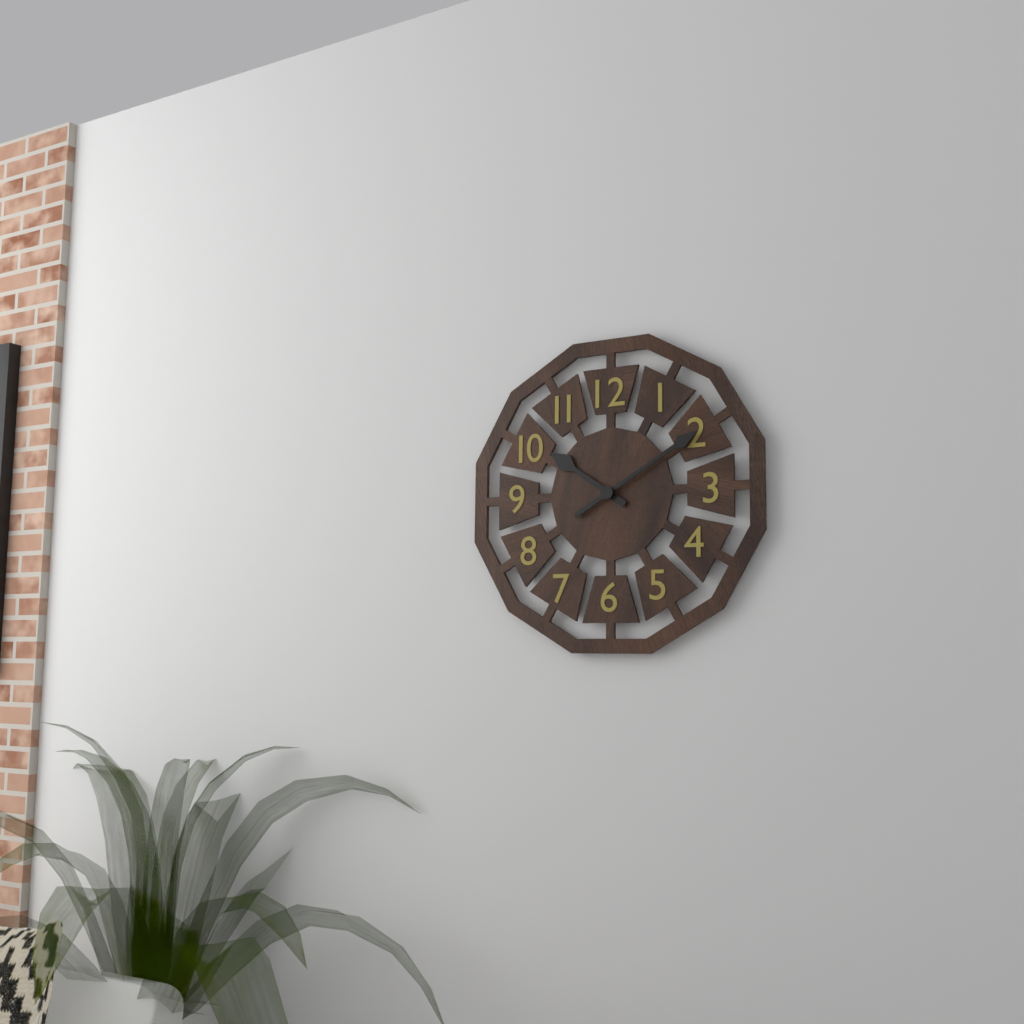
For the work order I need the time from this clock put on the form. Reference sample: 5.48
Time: 10.10
